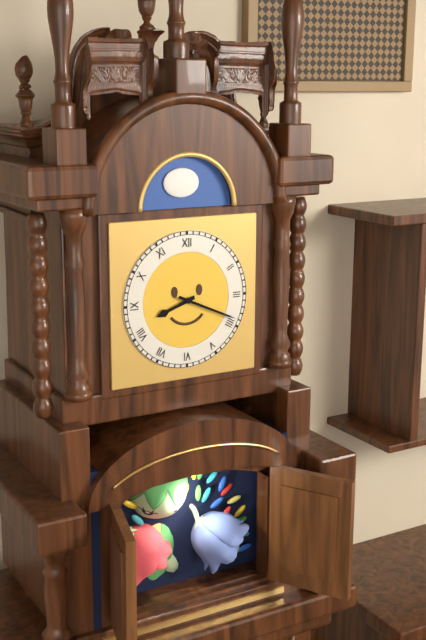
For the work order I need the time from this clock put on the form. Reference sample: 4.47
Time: 8.19
